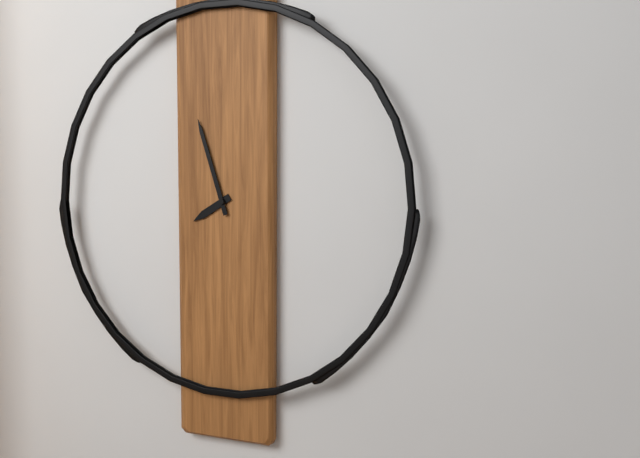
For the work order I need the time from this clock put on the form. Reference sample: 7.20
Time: 7.57
